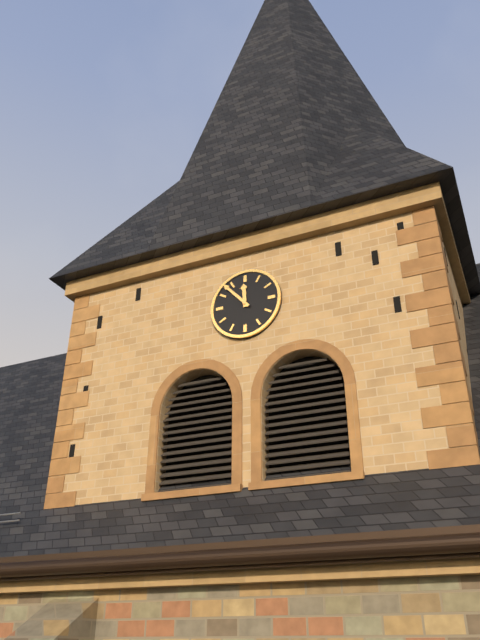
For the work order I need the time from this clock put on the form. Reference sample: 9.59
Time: 11.53
